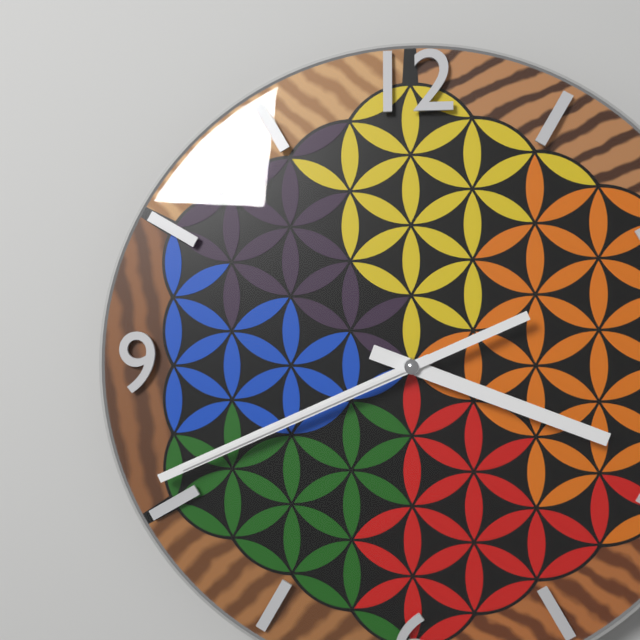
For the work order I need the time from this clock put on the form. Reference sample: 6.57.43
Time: 3.41.41
